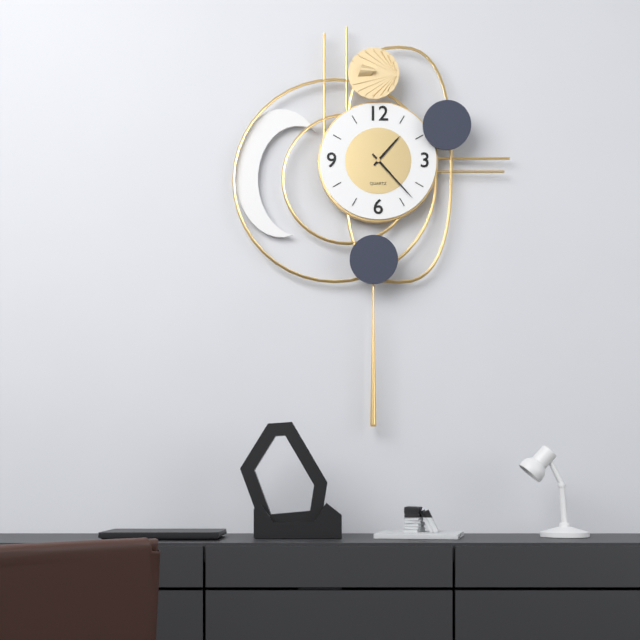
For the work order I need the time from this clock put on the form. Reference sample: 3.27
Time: 1.23
